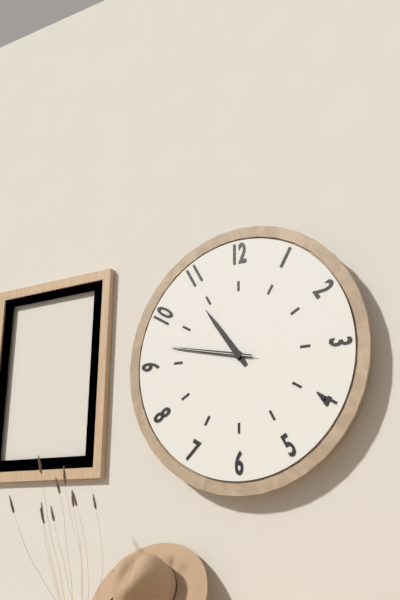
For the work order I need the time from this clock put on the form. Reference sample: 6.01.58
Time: 10.47.47
